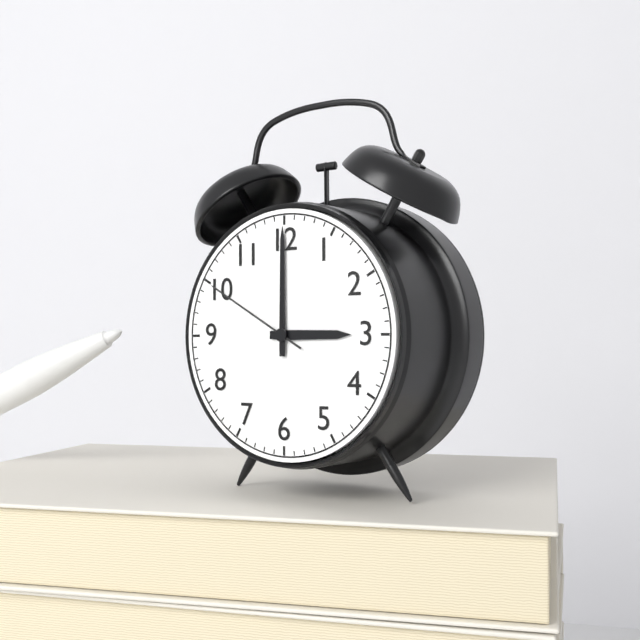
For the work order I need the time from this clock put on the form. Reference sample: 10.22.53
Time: 3.00.50
